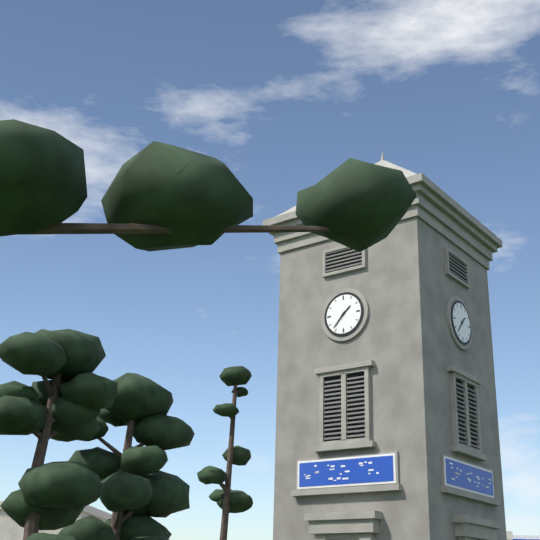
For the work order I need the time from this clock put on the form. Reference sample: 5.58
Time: 1.37
